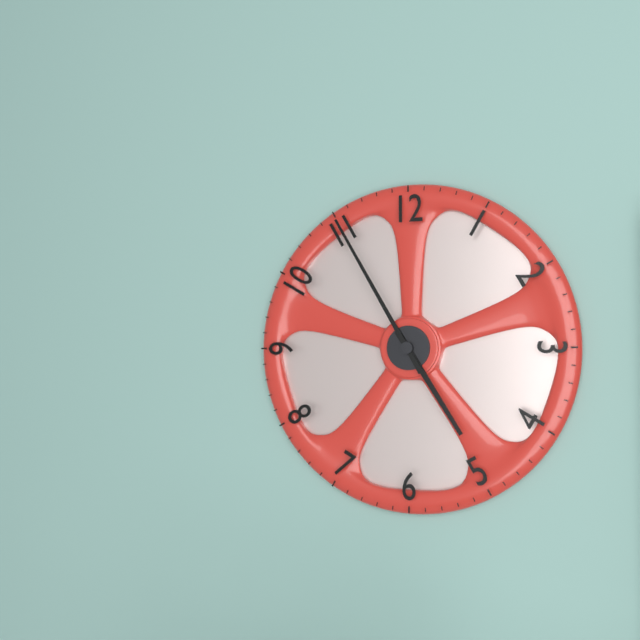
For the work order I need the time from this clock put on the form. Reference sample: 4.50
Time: 4.55
